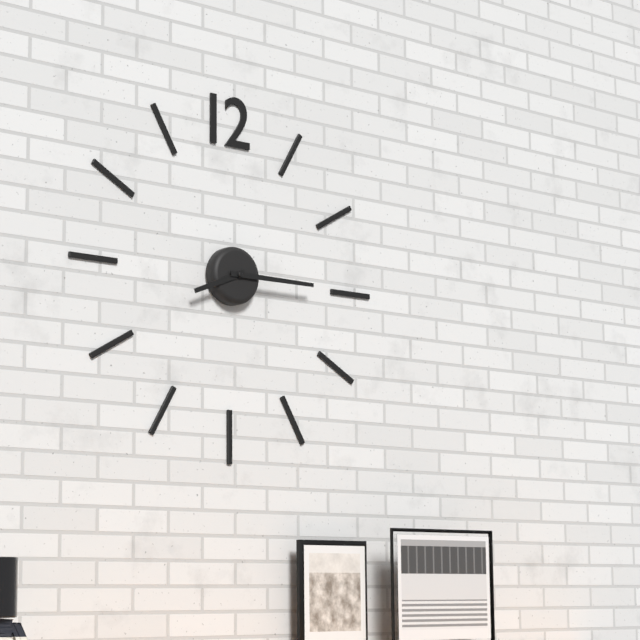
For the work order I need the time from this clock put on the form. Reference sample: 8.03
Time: 8.15
